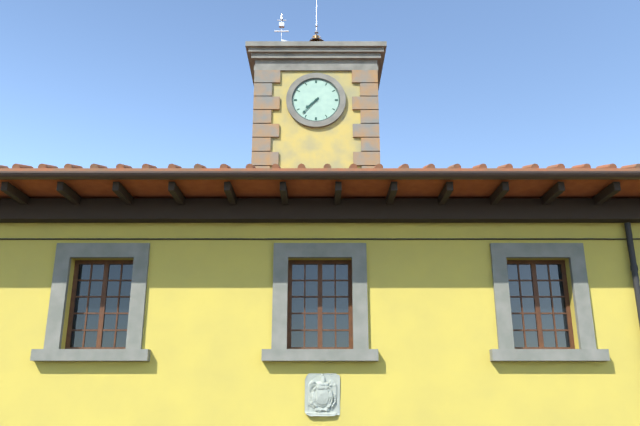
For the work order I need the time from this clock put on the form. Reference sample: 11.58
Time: 7.37
